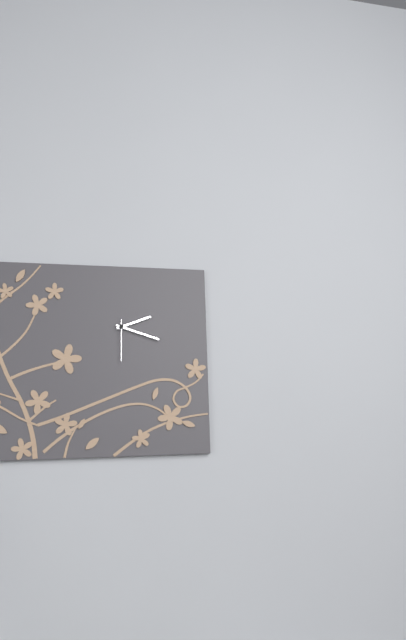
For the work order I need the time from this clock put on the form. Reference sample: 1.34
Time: 2.18
